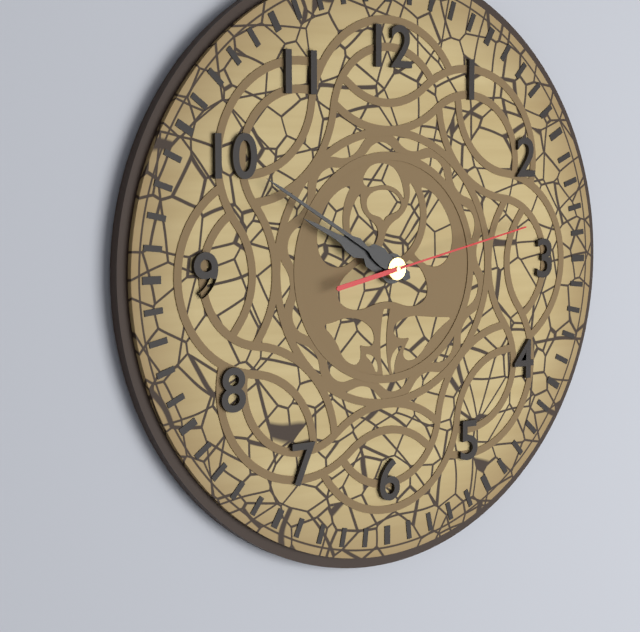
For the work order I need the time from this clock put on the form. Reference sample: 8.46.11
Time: 9.50.13
